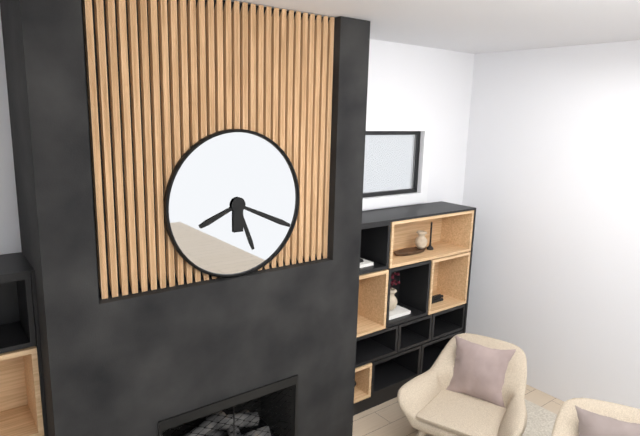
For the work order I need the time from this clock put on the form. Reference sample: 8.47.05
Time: 5.19.41
